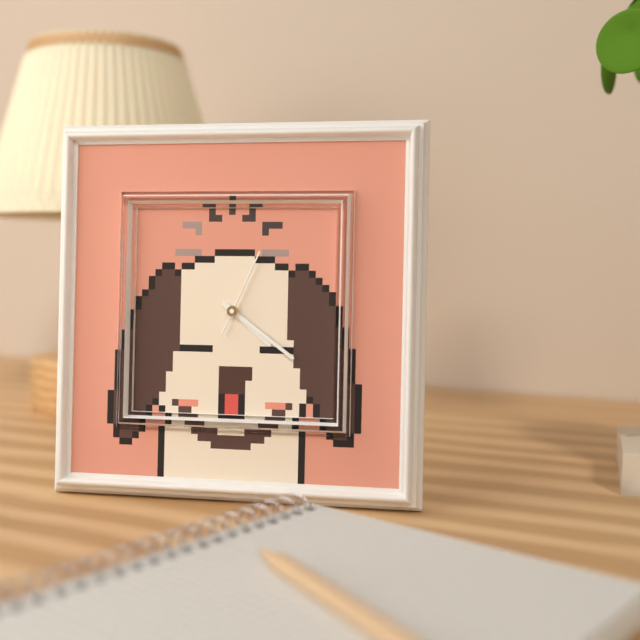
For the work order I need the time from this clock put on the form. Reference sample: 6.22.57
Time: 4.21.04
